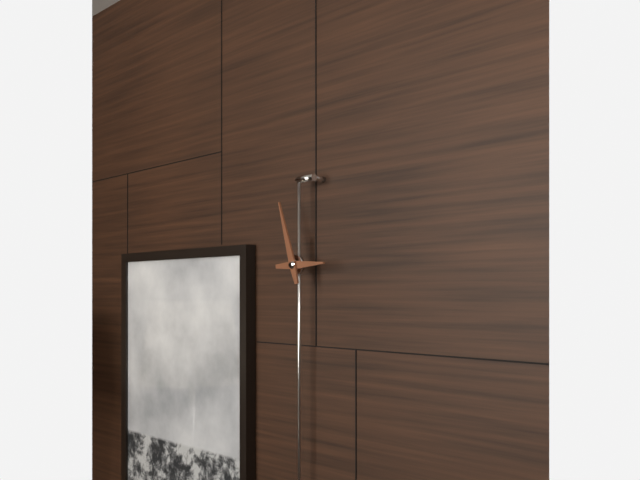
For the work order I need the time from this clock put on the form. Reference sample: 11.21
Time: 2.57
